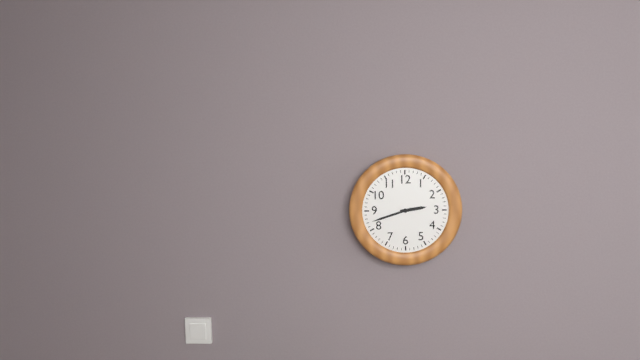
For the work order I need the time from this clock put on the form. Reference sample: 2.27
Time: 2.42
